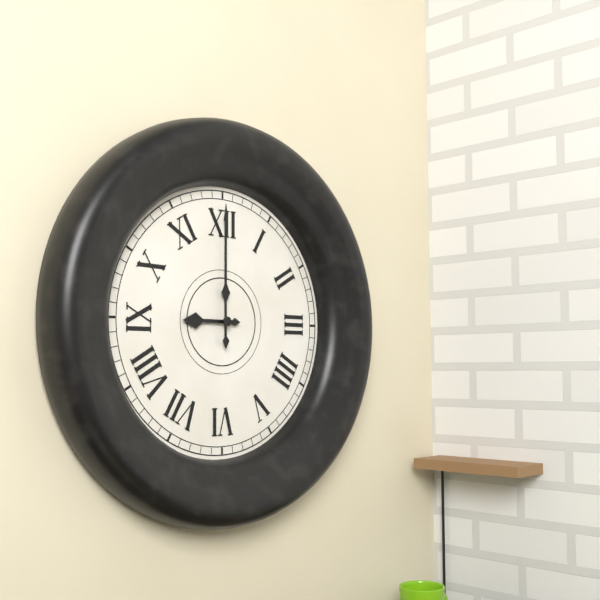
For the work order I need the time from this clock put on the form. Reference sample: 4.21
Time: 9.00
